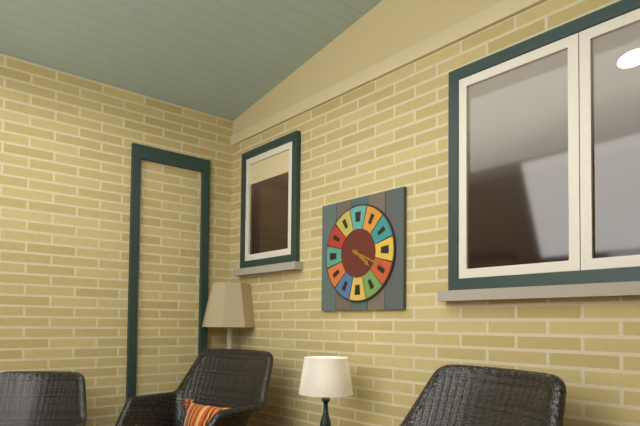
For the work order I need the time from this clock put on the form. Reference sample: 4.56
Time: 4.19
